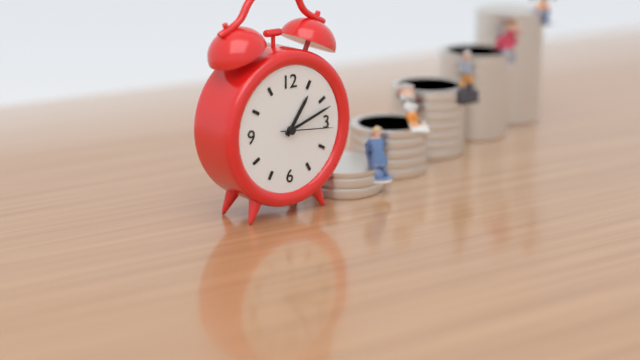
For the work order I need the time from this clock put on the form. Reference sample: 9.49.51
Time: 1.12.16
